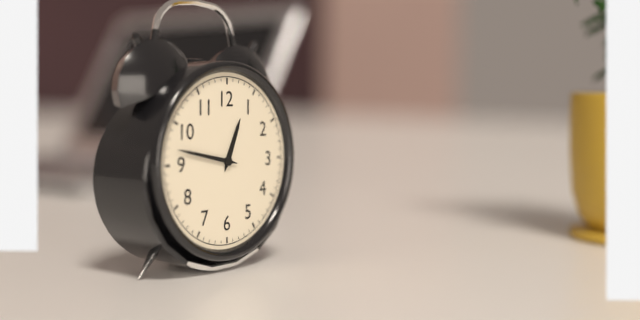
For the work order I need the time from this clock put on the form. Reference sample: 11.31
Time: 12.47
